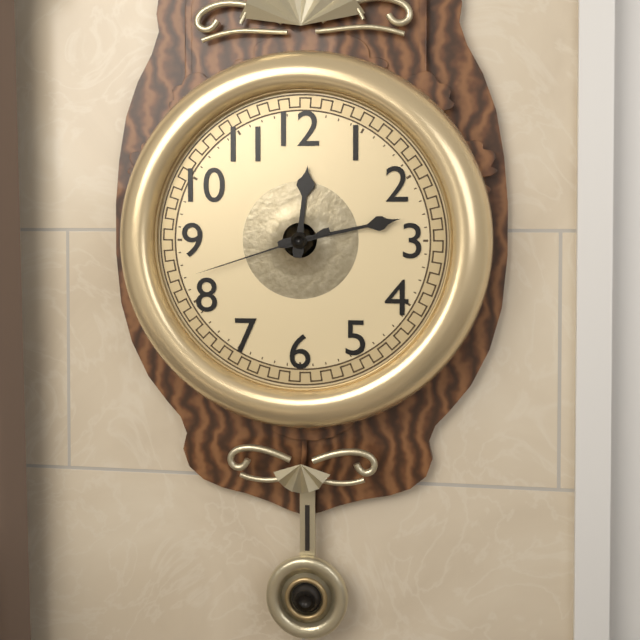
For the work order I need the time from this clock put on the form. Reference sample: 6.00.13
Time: 12.13.42
